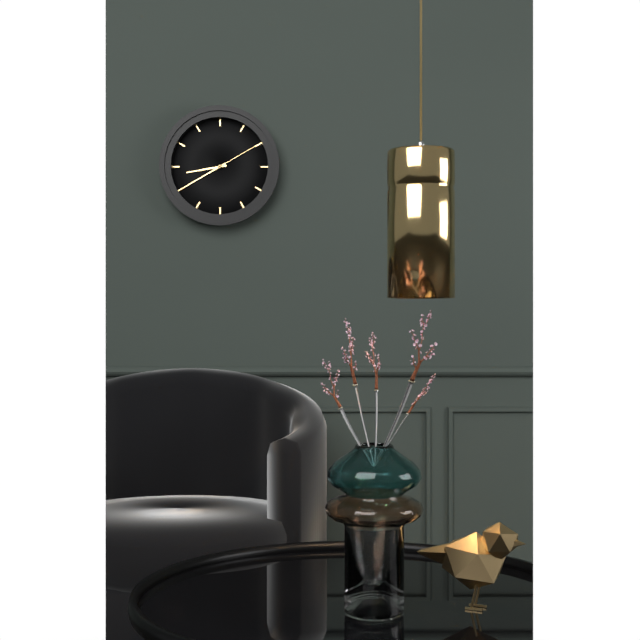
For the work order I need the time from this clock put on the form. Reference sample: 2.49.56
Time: 8.40.10
